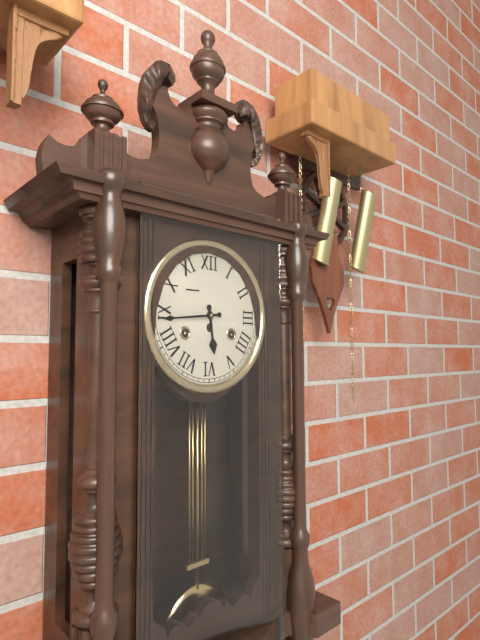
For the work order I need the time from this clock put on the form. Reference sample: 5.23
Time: 5.44
